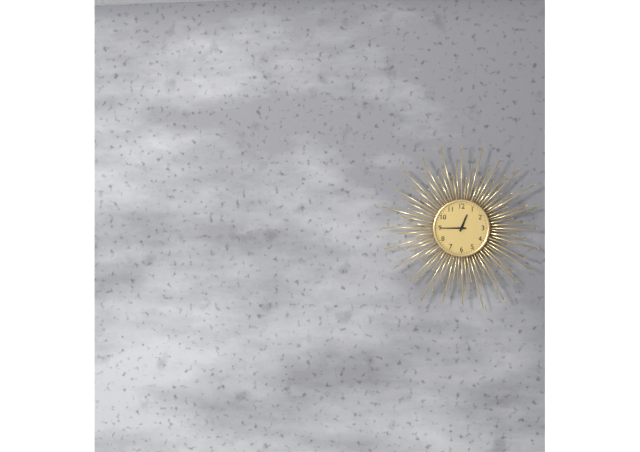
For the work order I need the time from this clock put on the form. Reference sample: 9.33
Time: 12.45
